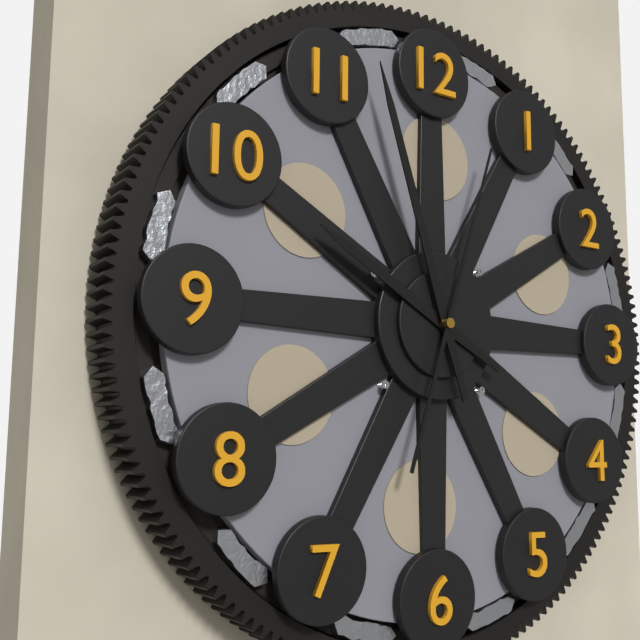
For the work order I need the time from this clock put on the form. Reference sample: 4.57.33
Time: 9.57.03
